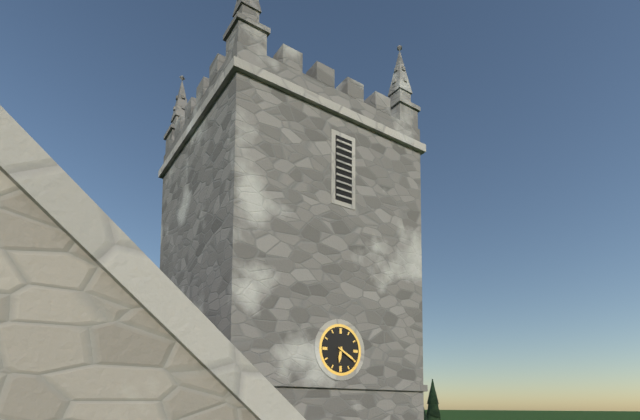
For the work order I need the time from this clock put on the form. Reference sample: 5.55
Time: 6.20
